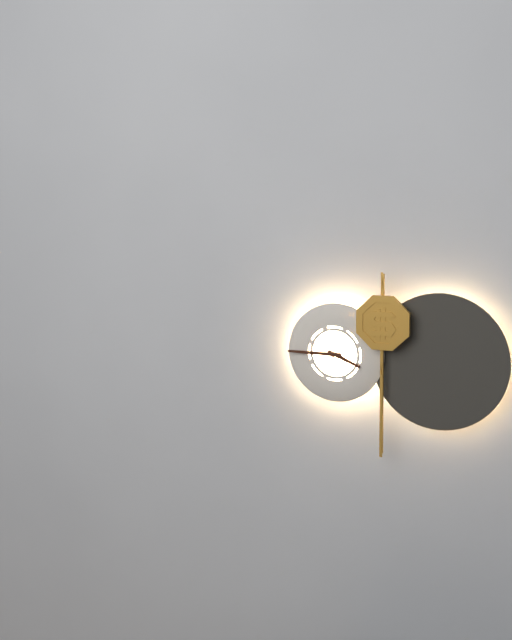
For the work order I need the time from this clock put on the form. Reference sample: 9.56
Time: 3.45
